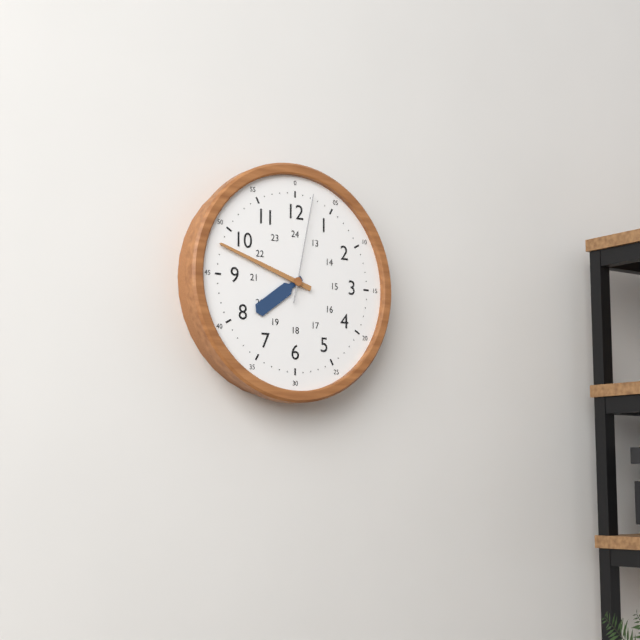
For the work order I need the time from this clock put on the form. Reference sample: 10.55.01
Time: 7.48.02
